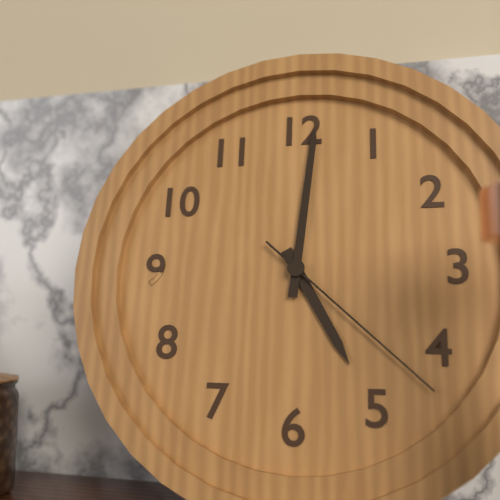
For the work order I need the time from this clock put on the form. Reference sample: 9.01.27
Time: 5.01.22
